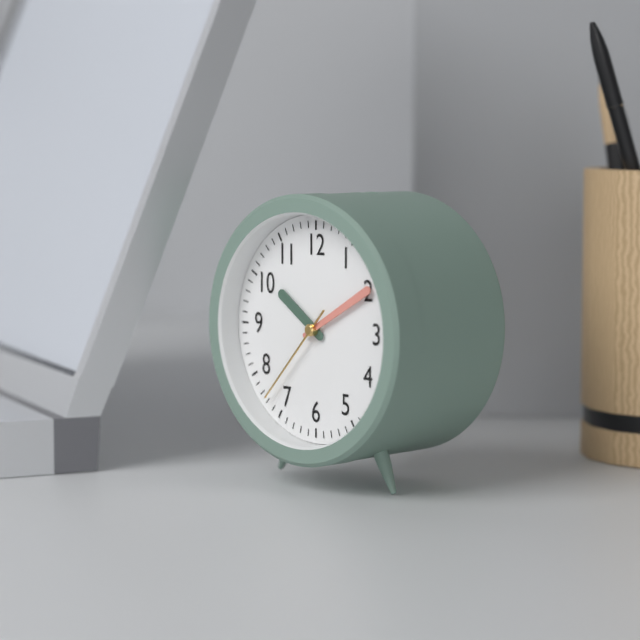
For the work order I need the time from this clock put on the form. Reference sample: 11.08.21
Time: 10.10.37
